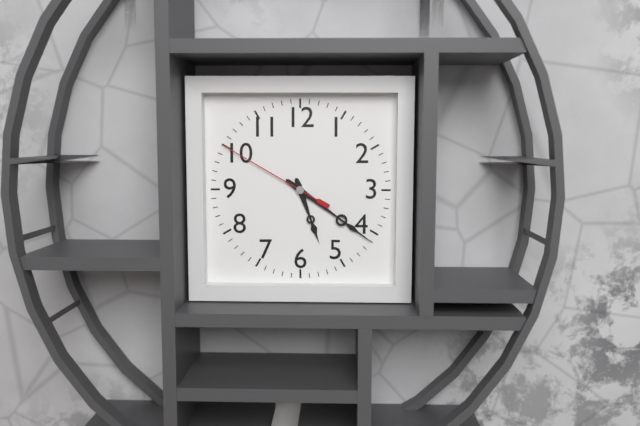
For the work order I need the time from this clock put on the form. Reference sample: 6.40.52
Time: 5.21.50
